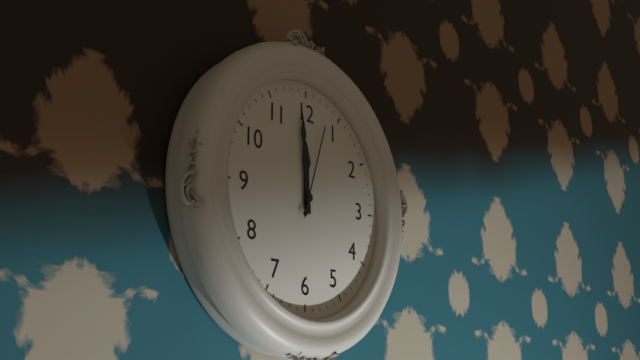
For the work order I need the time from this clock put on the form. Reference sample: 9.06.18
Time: 11.59.03
